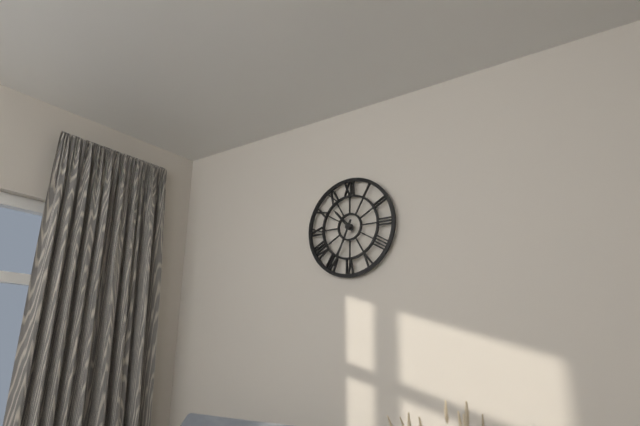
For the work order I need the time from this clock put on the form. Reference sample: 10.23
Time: 10.34
